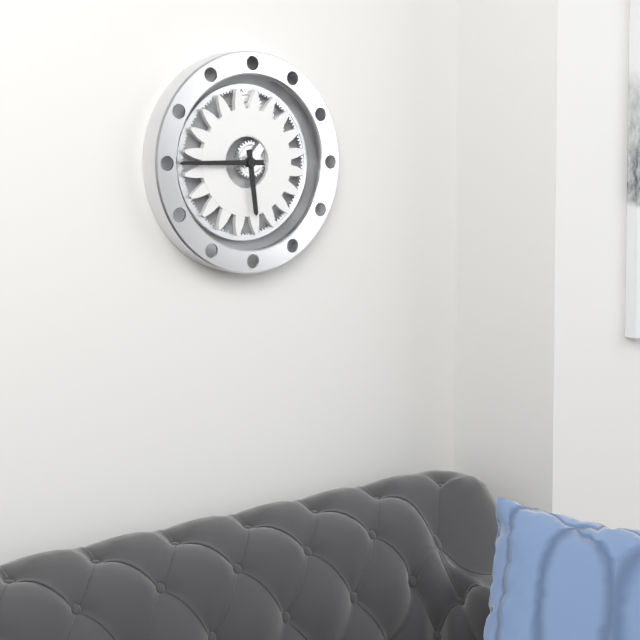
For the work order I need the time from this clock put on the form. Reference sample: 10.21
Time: 5.45
